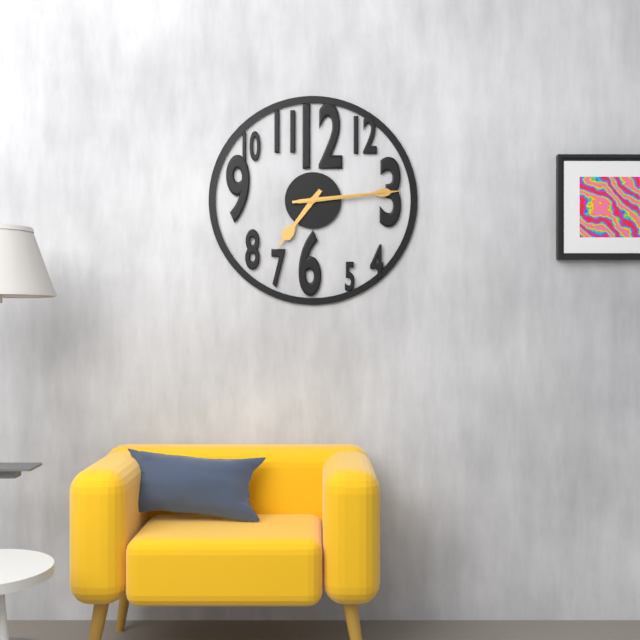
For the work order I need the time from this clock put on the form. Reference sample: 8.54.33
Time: 7.14.14
